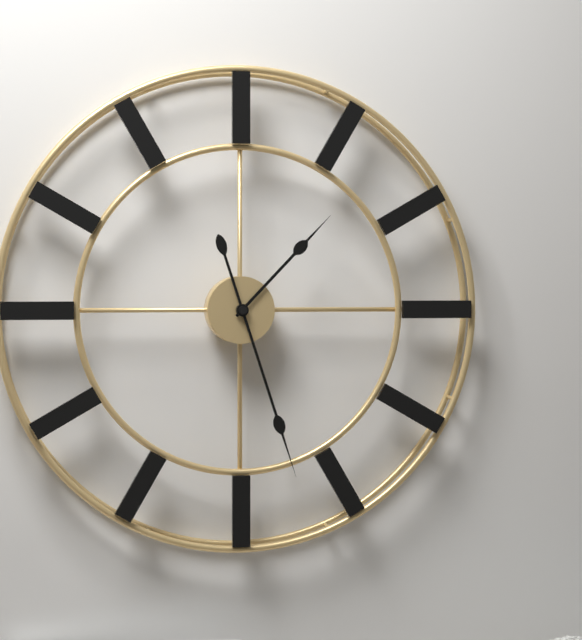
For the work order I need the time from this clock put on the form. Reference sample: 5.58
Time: 1.27
